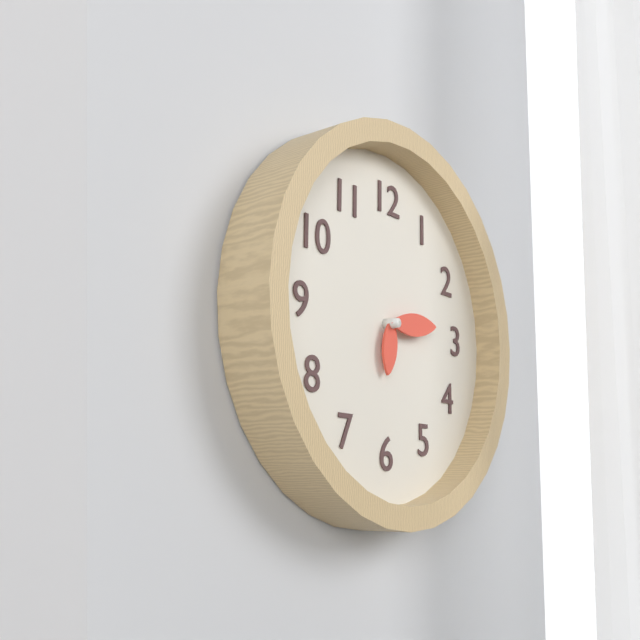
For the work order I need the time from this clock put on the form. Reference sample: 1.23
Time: 6.14
